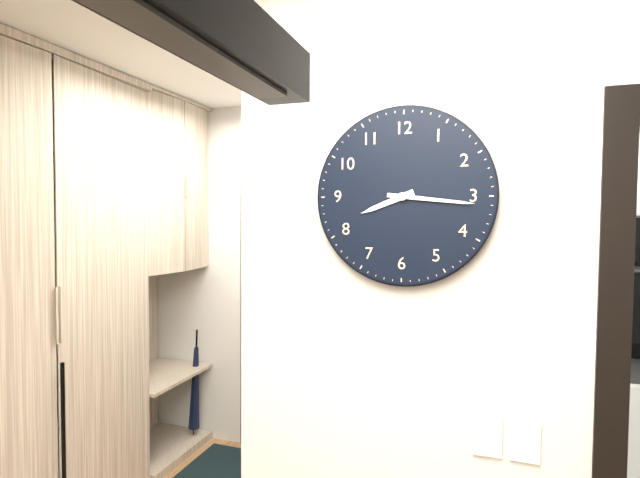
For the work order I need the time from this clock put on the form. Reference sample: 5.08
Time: 8.16
